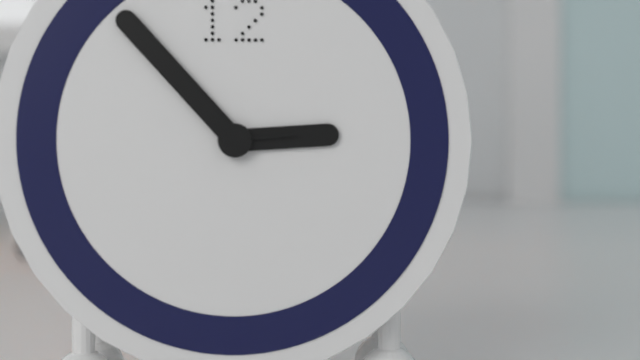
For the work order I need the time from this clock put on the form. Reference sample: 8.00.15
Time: 2.53.14
